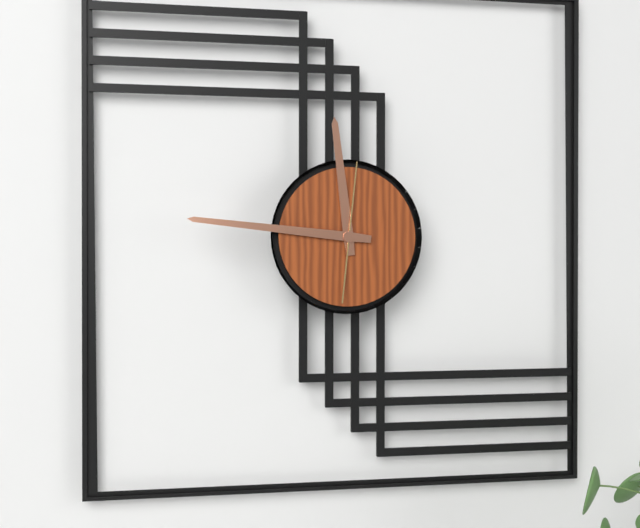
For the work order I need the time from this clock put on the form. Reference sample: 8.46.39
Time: 11.46.01
